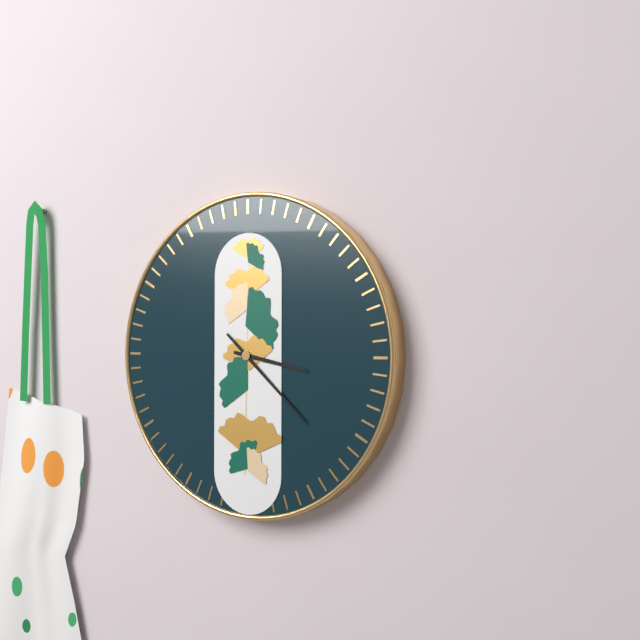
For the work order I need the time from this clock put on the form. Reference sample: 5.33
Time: 3.22
